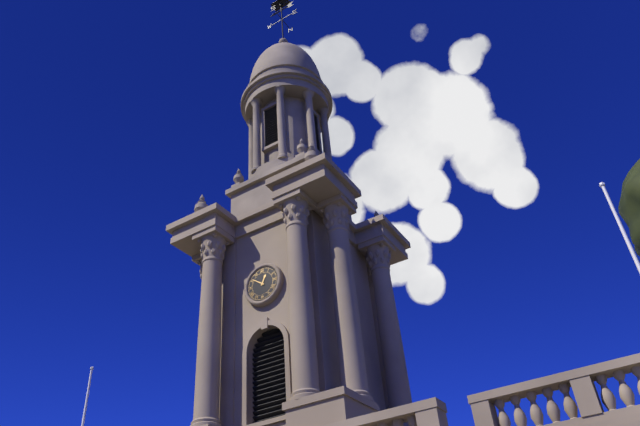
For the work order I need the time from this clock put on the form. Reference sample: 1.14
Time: 12.51
